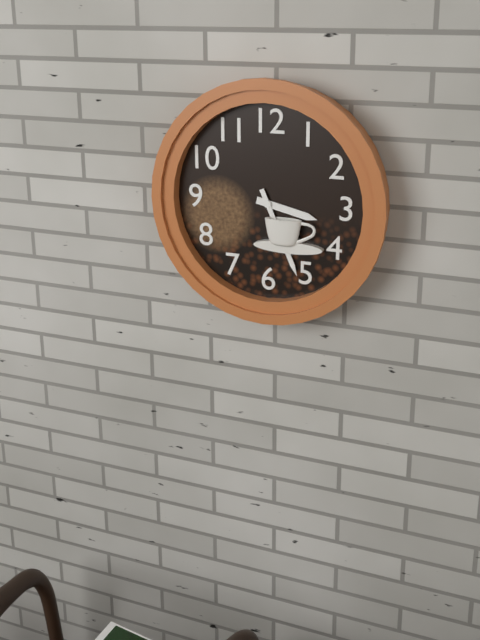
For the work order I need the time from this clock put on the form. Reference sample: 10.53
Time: 3.26
